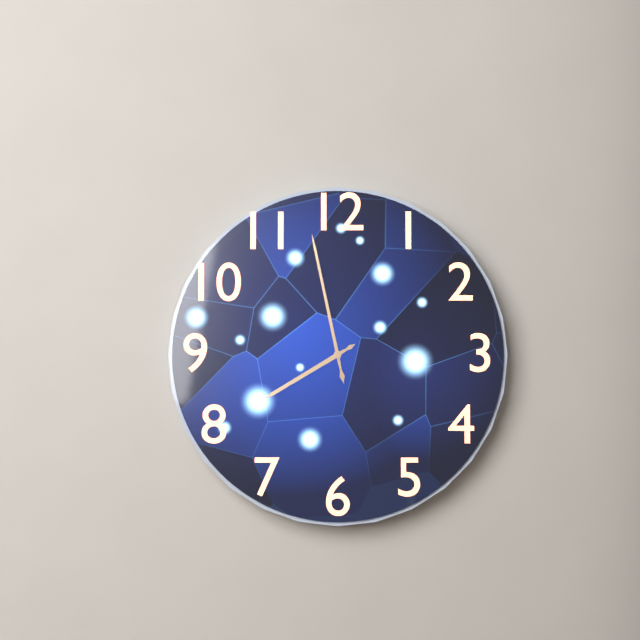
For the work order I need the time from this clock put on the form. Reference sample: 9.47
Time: 7.58
